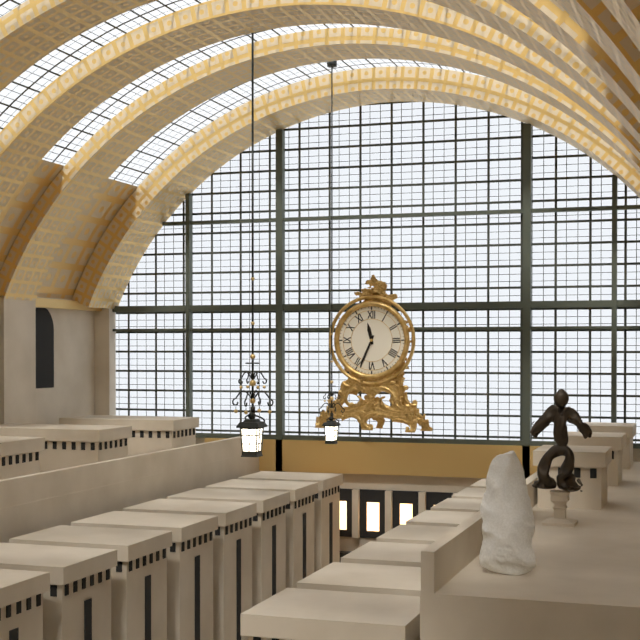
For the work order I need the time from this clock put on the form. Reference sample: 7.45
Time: 11.34
